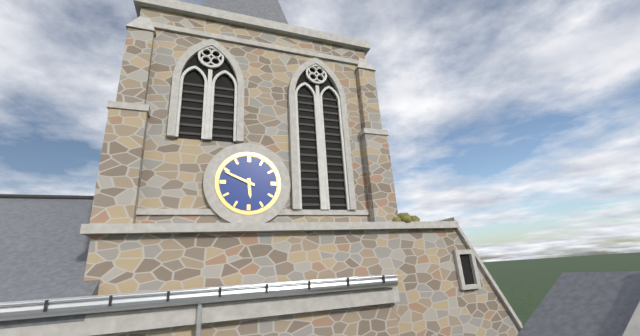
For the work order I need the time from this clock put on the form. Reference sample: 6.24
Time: 5.49
